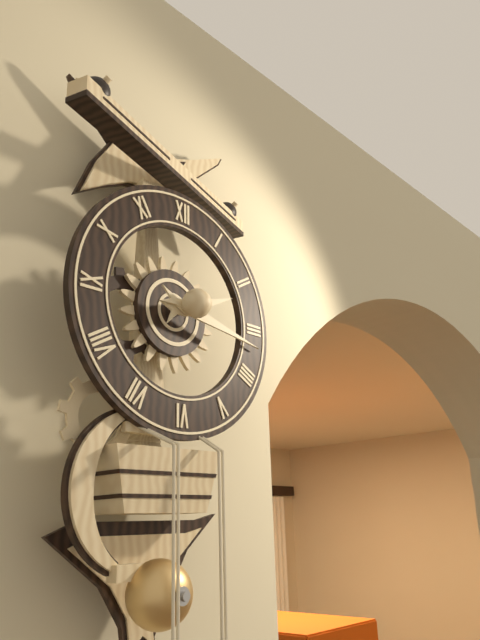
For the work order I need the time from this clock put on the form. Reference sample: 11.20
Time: 2.17
